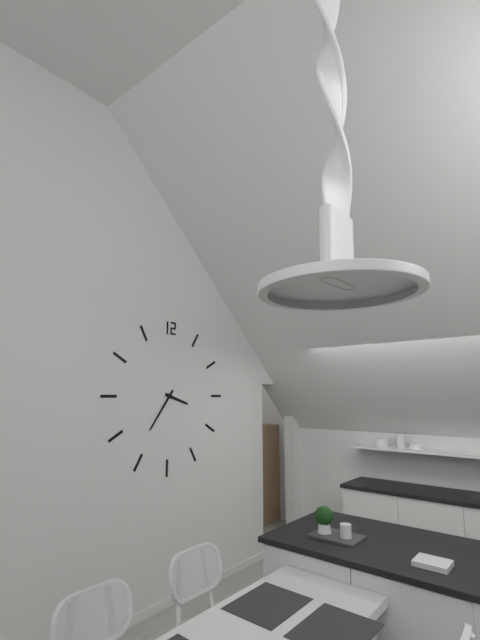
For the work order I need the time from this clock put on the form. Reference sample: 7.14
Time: 3.36
